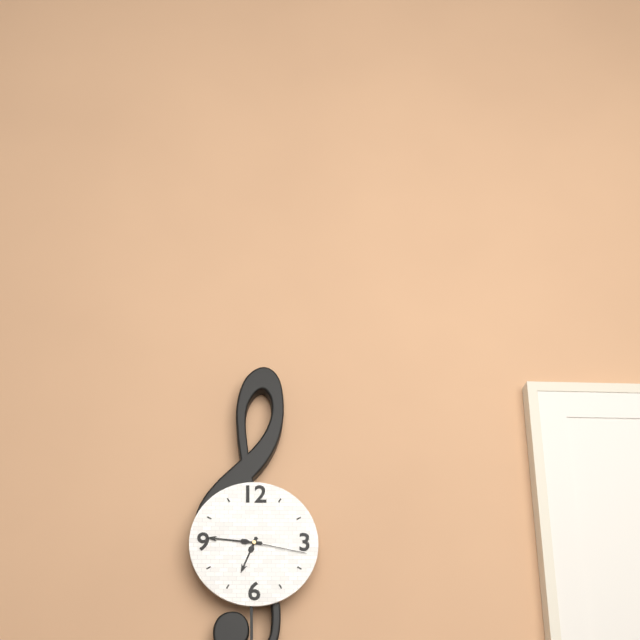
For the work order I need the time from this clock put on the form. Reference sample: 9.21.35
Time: 6.46.17
